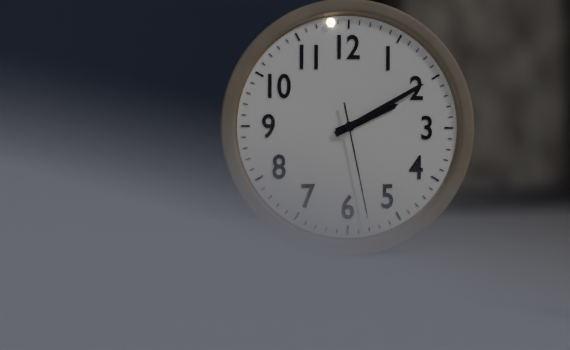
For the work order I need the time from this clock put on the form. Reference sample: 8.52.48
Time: 2.10.28
